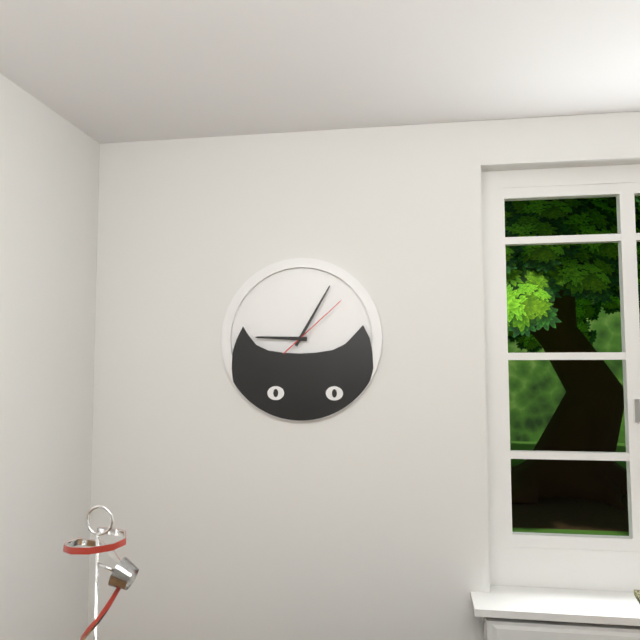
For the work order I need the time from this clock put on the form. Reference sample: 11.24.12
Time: 9.05.08
